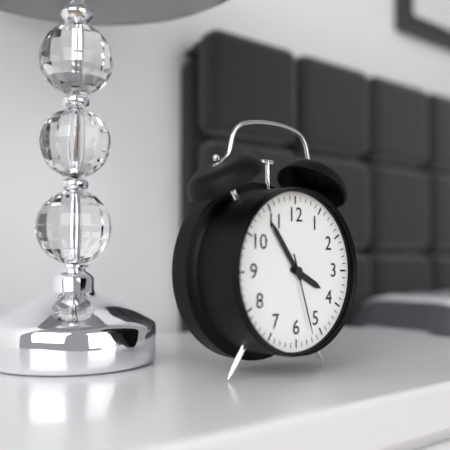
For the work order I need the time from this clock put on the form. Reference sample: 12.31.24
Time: 3.54.27
